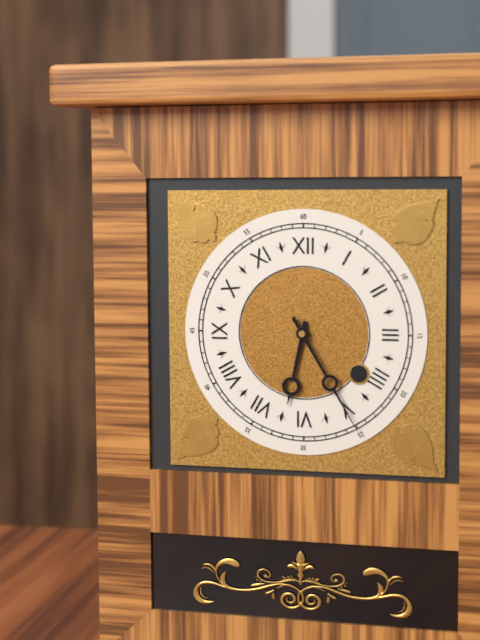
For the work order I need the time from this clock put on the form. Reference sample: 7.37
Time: 6.25
